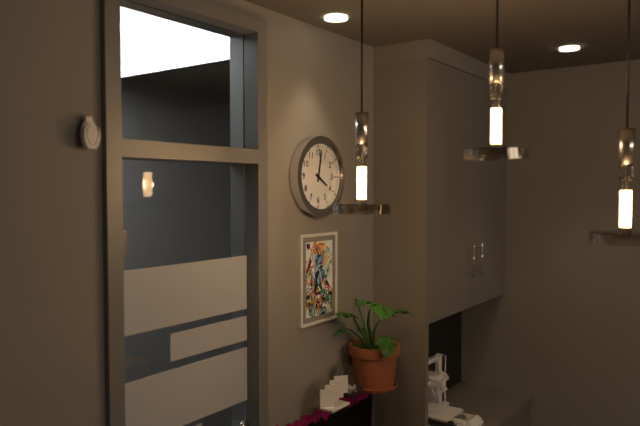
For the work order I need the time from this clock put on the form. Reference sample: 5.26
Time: 4.02
